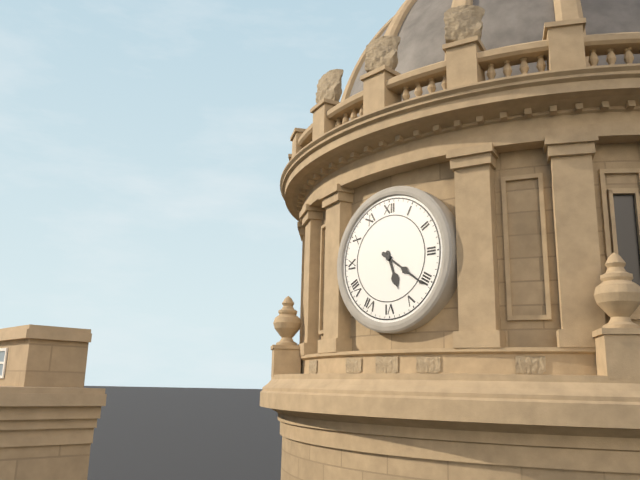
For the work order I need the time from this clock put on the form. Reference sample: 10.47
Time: 5.21
